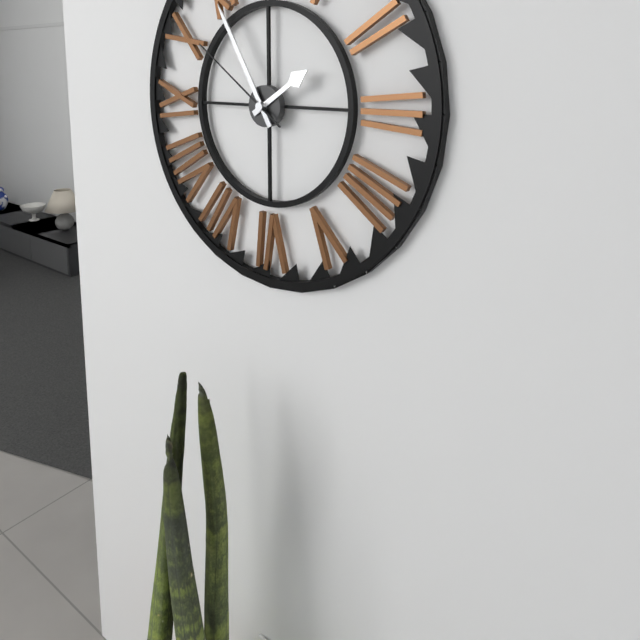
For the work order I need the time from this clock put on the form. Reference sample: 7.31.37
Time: 1.55.51
